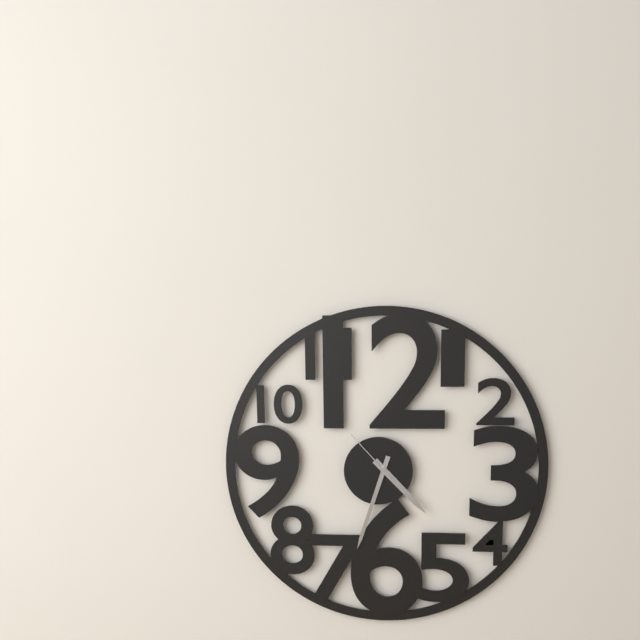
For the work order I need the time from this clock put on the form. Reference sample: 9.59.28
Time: 4.33.53
